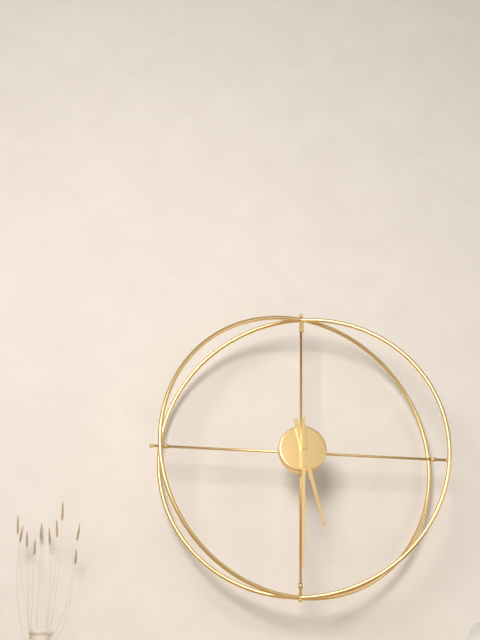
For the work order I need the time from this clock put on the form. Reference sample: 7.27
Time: 5.30
